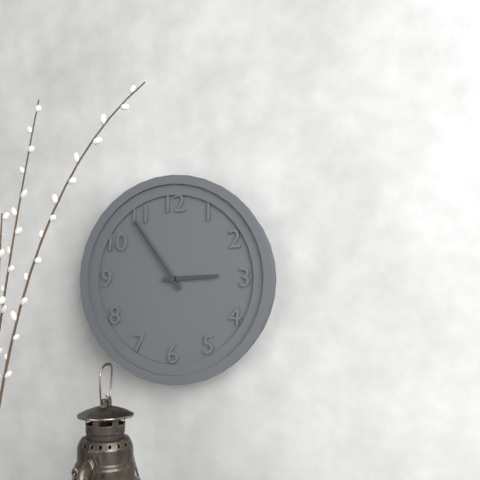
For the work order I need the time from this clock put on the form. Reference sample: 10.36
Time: 2.54
